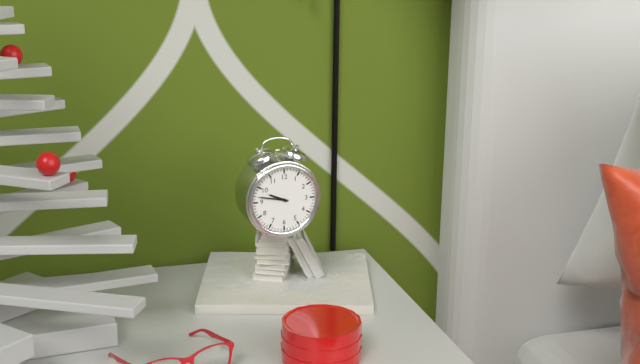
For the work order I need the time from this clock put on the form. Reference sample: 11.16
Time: 9.47
